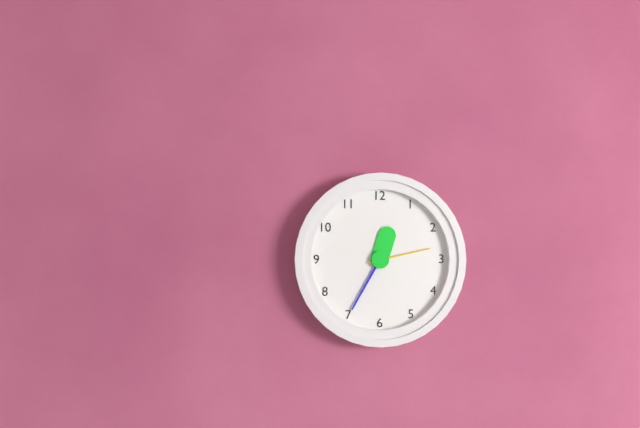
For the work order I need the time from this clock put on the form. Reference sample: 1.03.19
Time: 12.35.13
